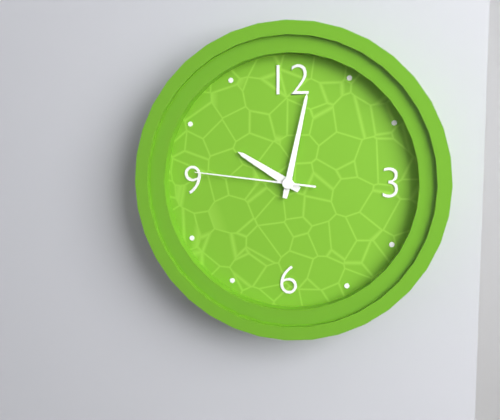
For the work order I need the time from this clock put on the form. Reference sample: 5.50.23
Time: 10.02.46
